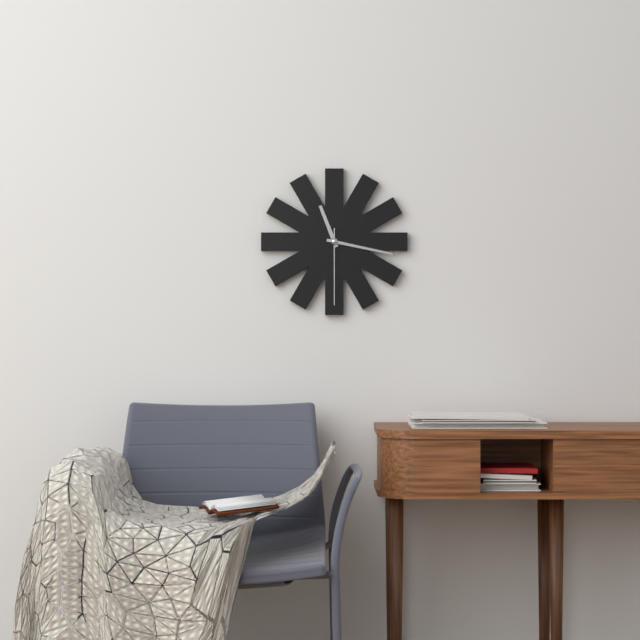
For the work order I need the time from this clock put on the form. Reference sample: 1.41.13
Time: 11.17.30
